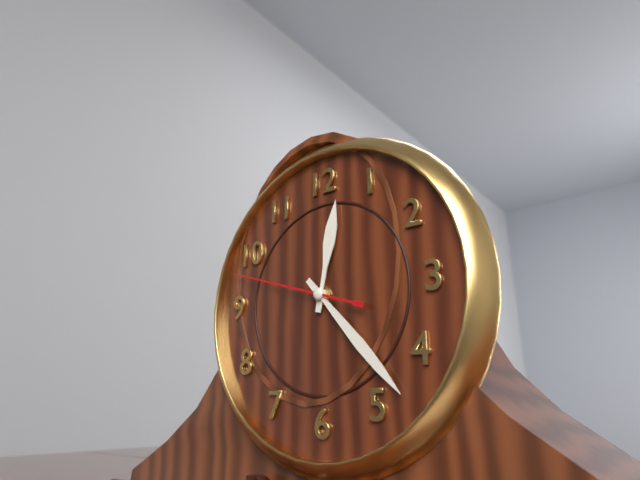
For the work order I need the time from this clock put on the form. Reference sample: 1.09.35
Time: 12.23.48
